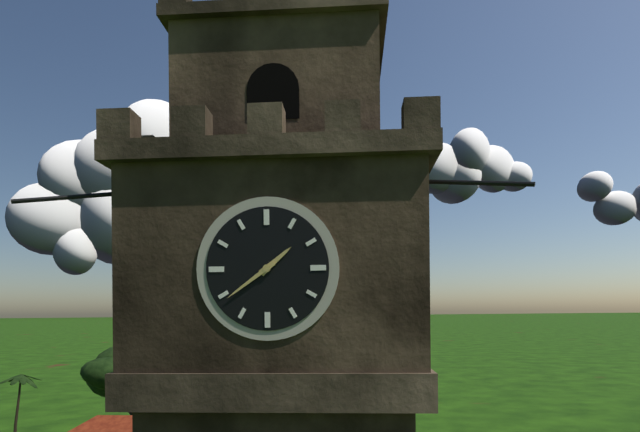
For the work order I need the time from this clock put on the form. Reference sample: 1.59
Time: 1.39
